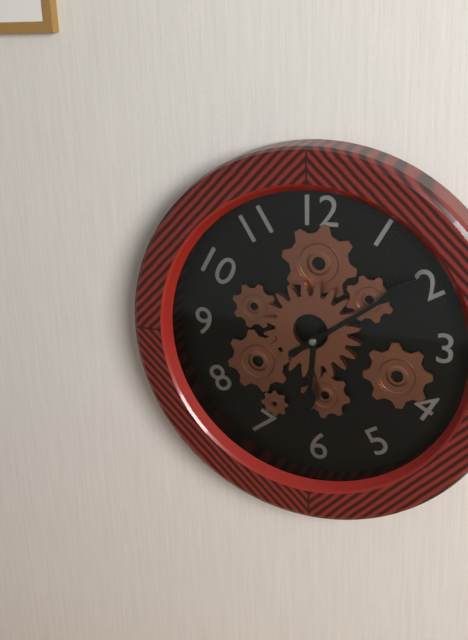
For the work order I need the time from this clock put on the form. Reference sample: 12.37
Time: 6.09
